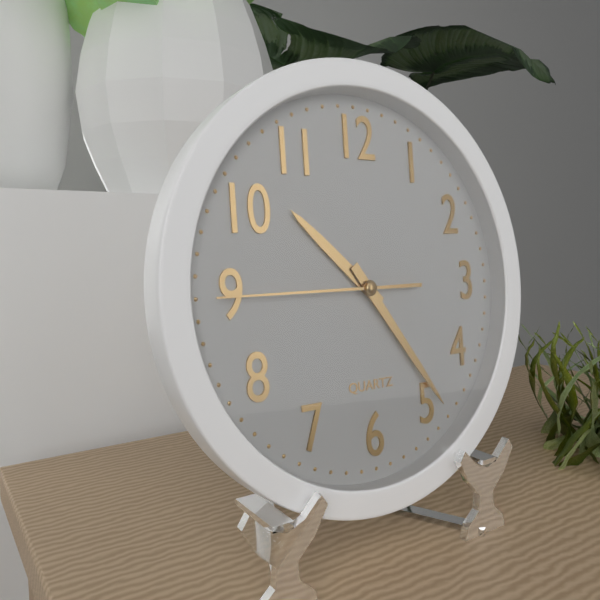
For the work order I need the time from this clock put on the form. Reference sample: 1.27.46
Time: 10.24.45
